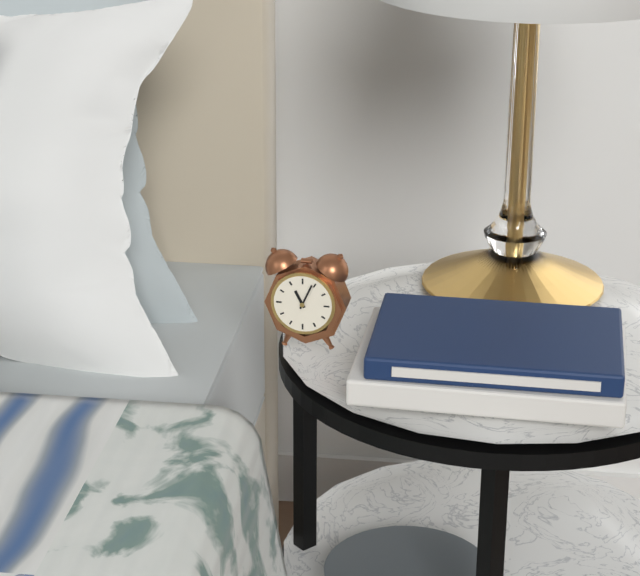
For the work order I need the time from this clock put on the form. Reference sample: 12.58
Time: 11.04
